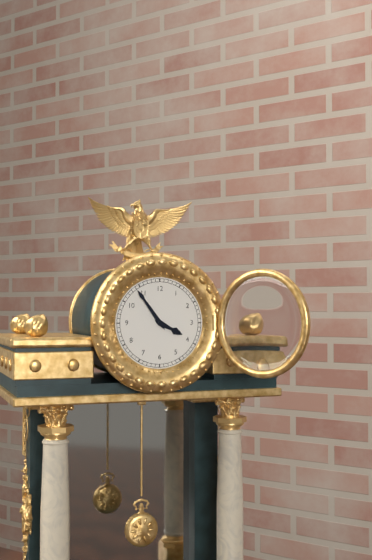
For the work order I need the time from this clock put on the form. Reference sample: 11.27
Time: 3.54
